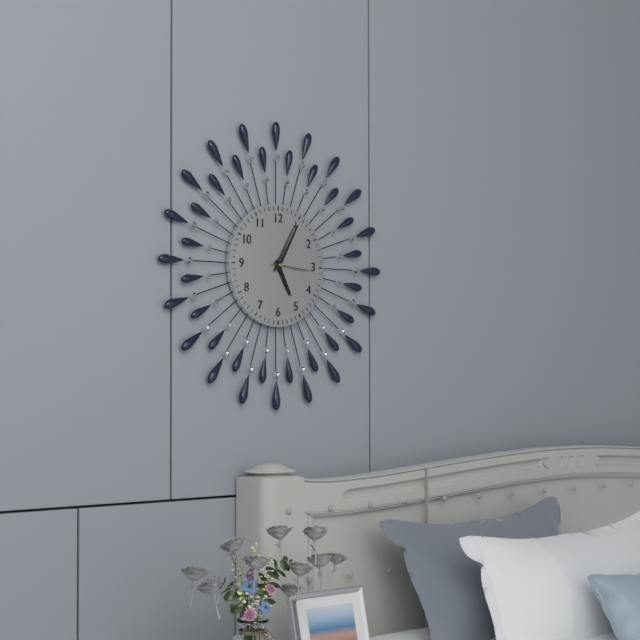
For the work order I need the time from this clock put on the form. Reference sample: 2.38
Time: 5.05
